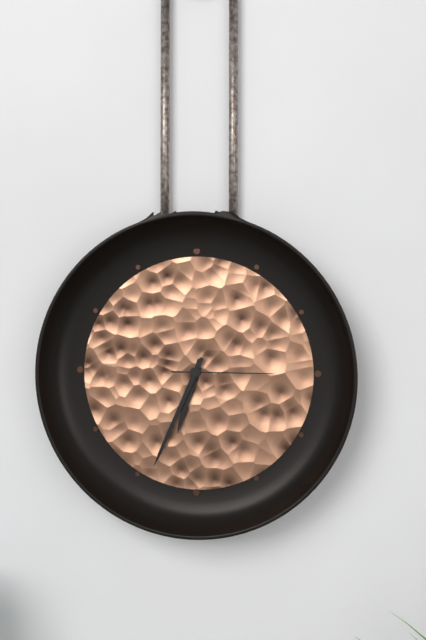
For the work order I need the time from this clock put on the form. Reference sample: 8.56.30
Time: 6.34.15
